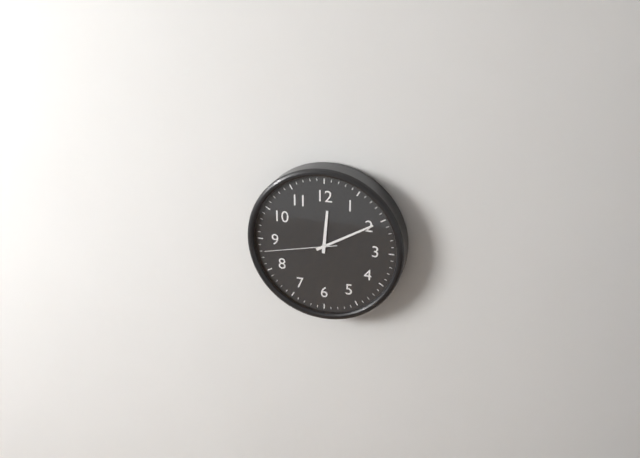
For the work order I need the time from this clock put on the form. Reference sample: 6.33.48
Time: 12.10.43
